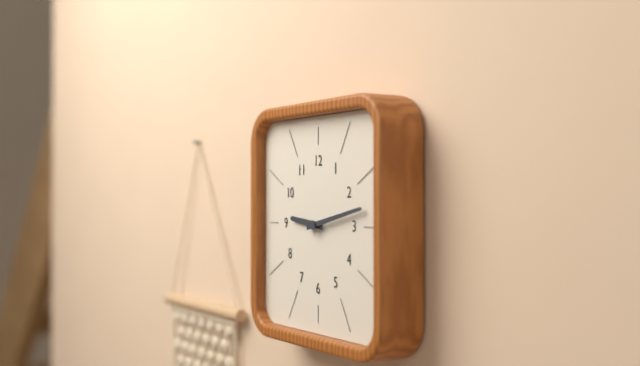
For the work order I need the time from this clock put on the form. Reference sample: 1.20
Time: 9.13
